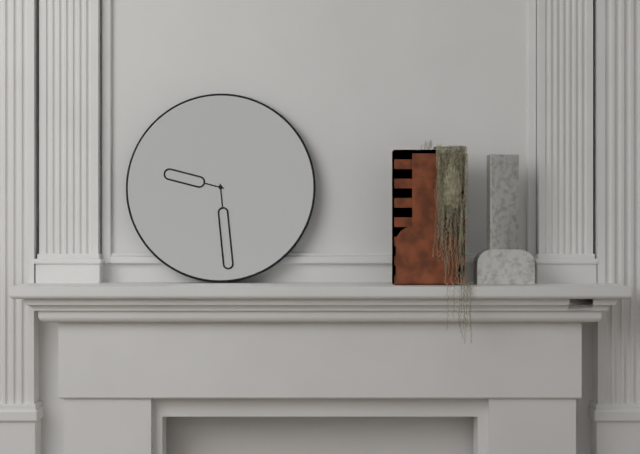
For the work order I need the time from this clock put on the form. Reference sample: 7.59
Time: 9.29
